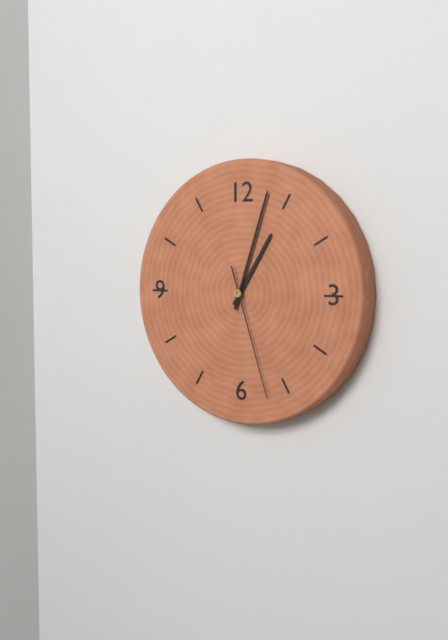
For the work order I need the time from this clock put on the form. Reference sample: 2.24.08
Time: 1.03.27
